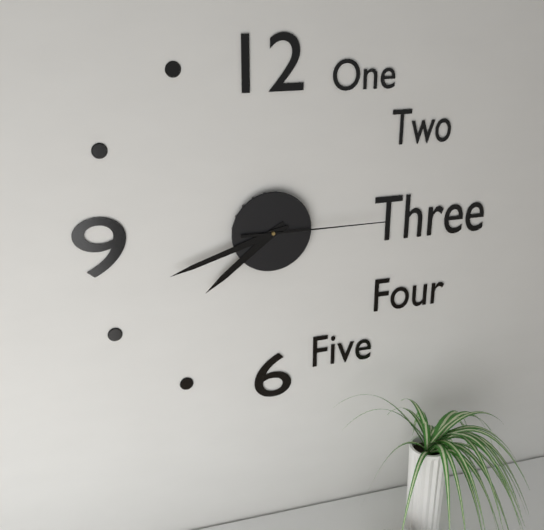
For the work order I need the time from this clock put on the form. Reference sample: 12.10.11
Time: 7.42.15
